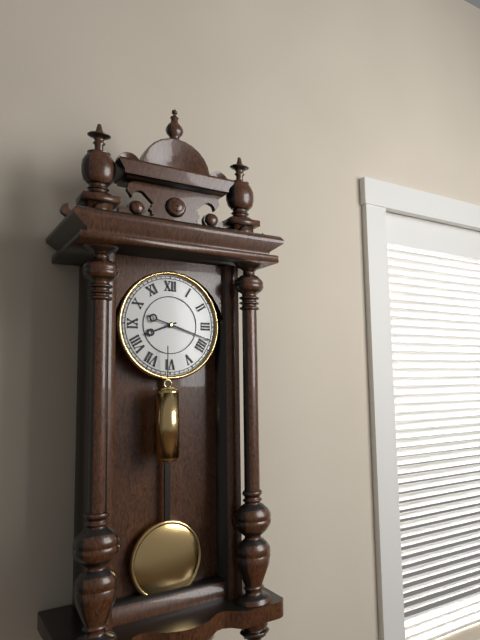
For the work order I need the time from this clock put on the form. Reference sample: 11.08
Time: 8.18
